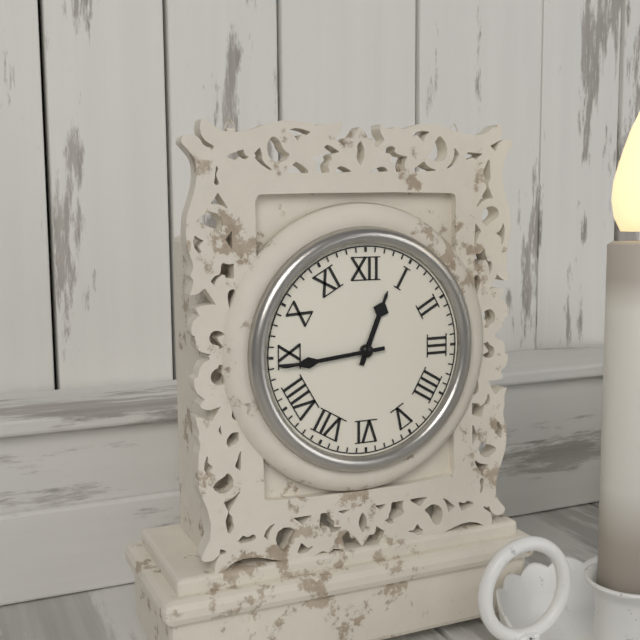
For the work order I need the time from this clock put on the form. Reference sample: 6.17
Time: 12.44
